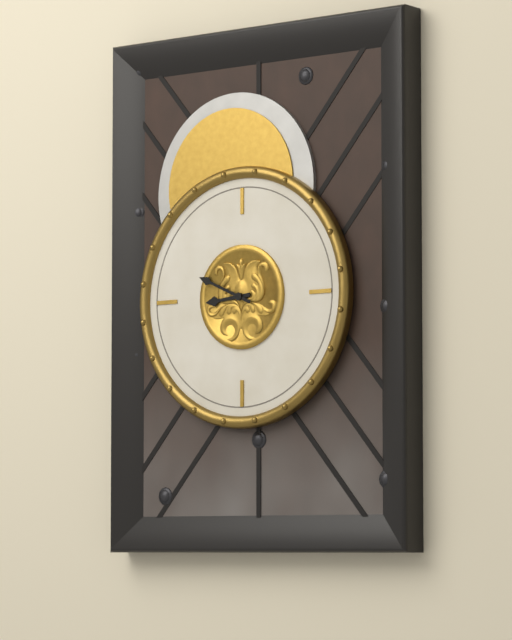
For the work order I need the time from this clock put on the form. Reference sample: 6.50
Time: 8.49
